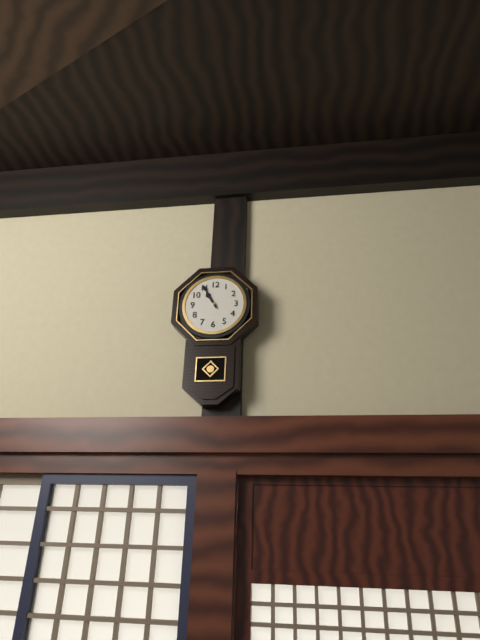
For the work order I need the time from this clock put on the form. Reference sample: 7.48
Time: 10.55
